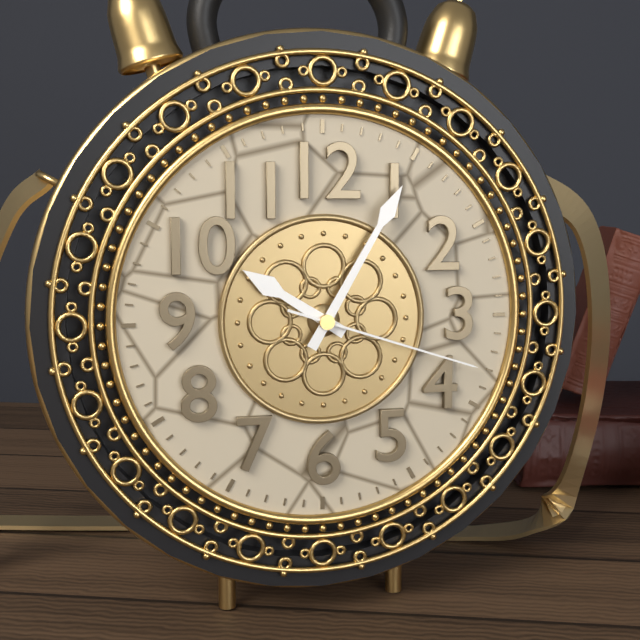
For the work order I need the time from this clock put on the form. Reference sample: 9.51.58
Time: 10.05.18
